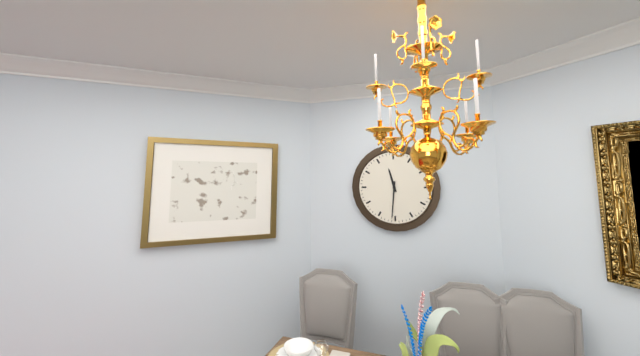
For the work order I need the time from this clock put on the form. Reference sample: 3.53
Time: 11.31
